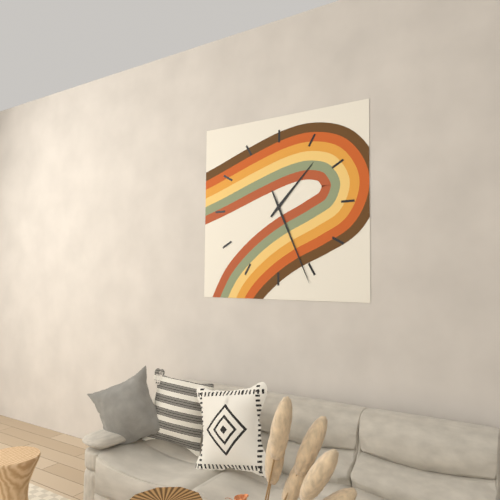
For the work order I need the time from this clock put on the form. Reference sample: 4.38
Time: 1.26
